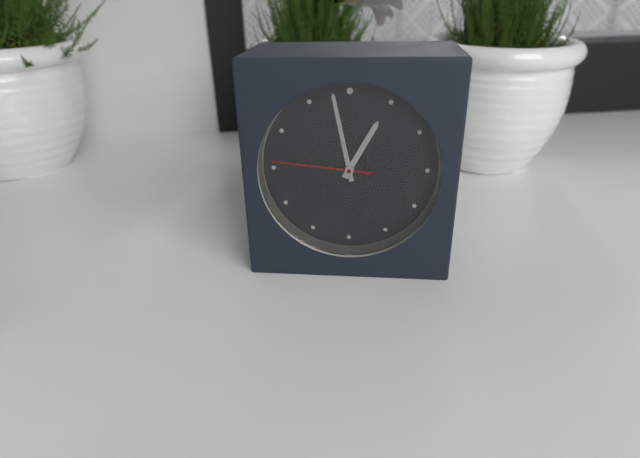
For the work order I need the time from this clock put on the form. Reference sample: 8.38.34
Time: 12.58.46
